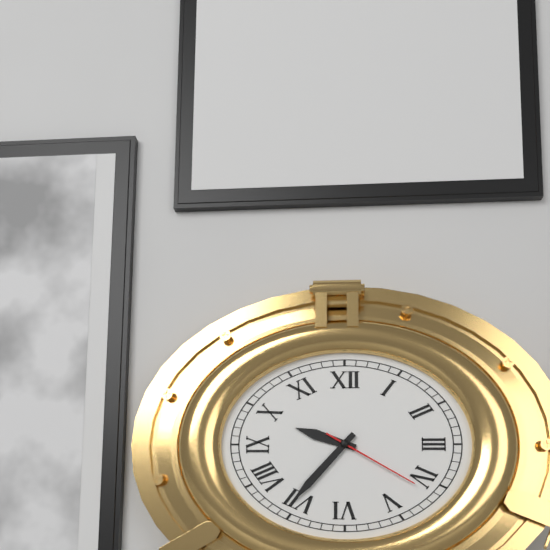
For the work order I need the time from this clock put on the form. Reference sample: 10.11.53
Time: 9.37.20
